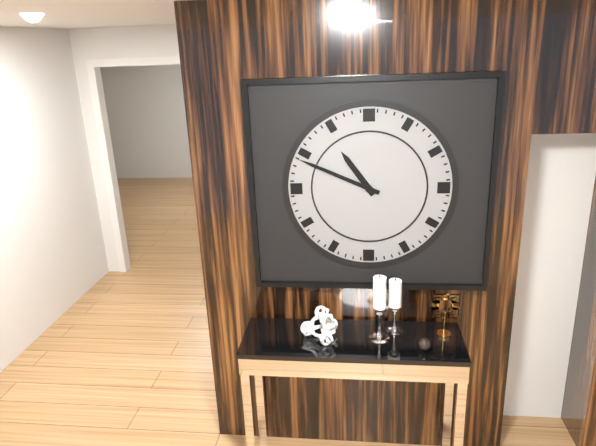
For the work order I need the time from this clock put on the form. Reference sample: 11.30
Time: 10.49
